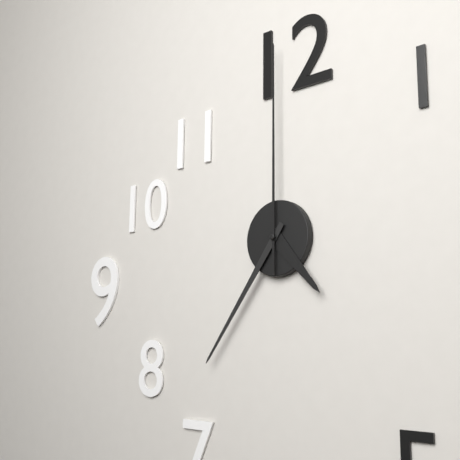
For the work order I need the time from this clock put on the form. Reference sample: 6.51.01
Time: 4.36.00
